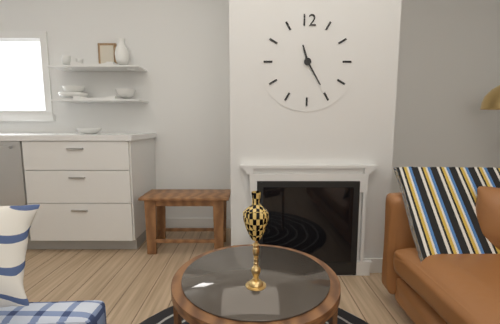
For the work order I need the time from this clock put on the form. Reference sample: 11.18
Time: 11.25
